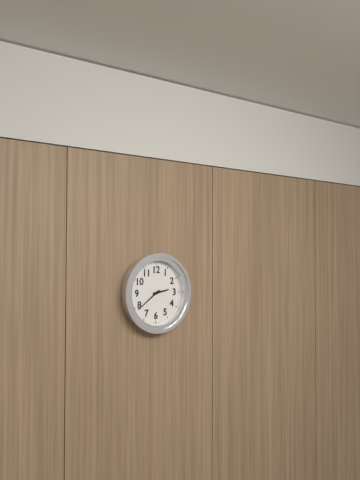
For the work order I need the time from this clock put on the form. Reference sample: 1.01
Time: 2.39
